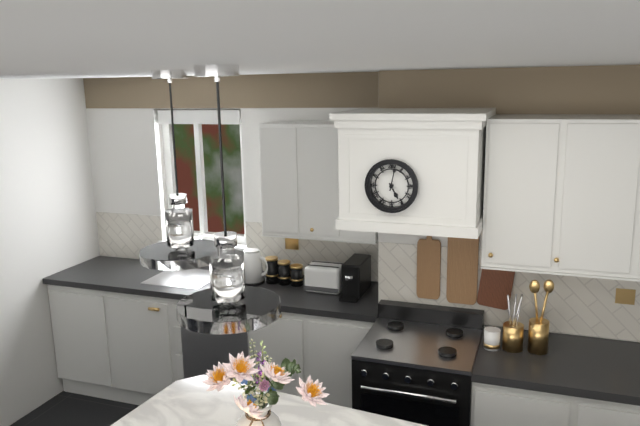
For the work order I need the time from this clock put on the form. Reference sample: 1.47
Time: 5.02
